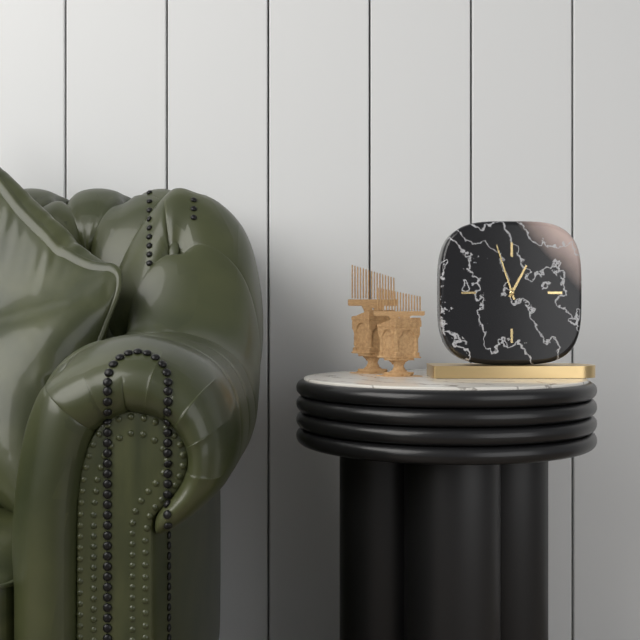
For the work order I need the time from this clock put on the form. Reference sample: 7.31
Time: 12.57
